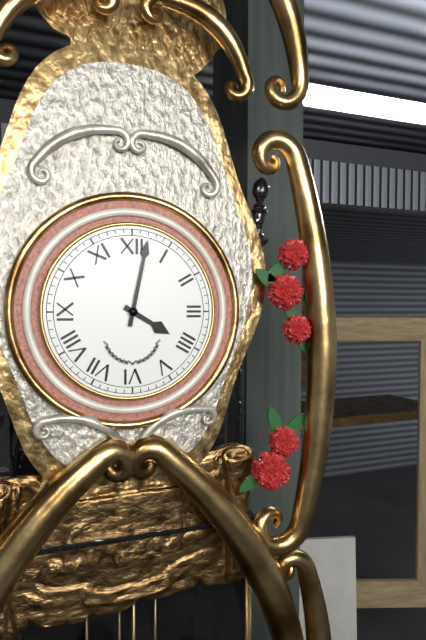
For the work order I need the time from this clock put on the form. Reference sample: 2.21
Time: 4.02
